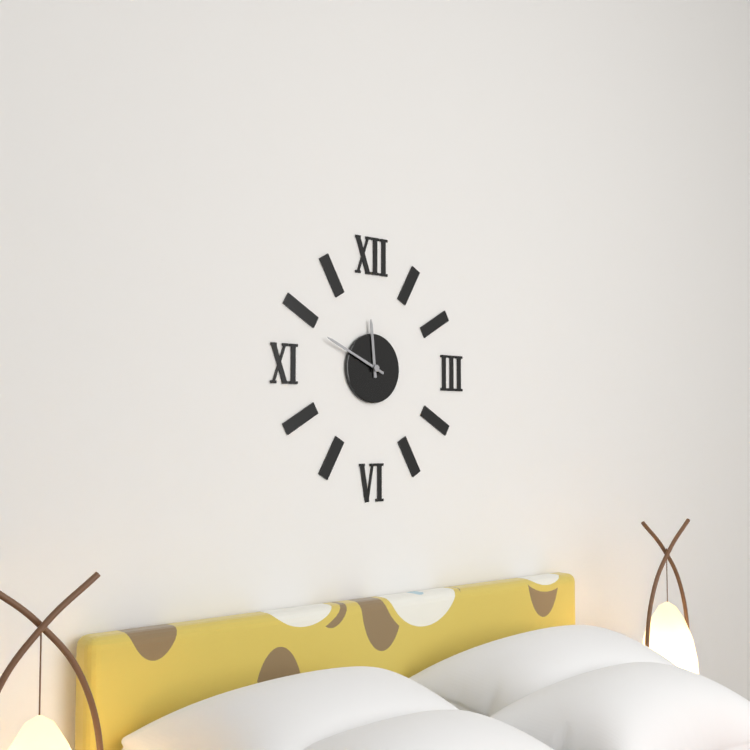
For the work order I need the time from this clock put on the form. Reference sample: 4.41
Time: 11.49
